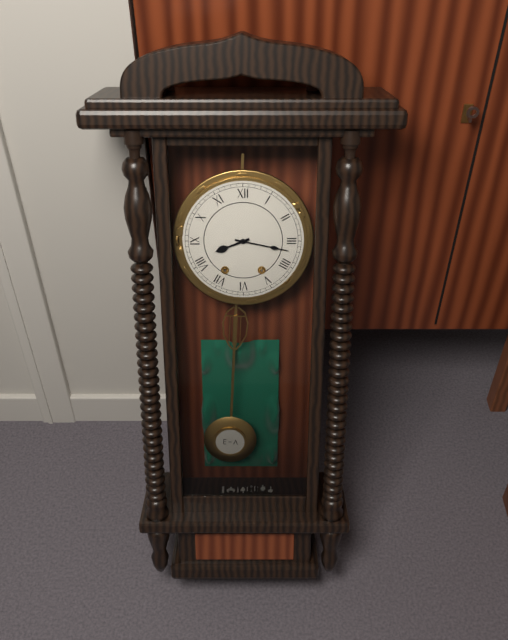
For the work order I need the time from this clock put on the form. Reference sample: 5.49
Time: 8.17
